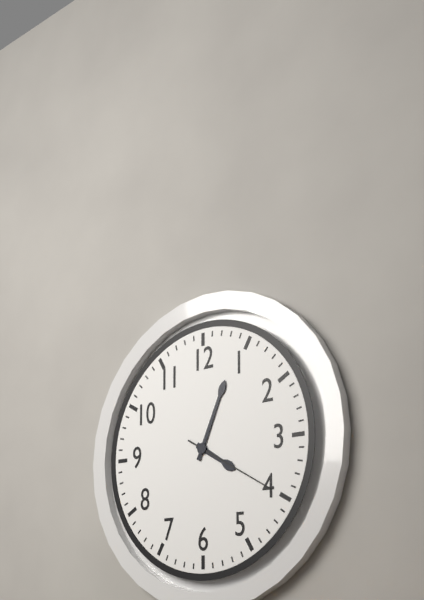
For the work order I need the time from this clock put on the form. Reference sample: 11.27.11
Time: 4.04.20
